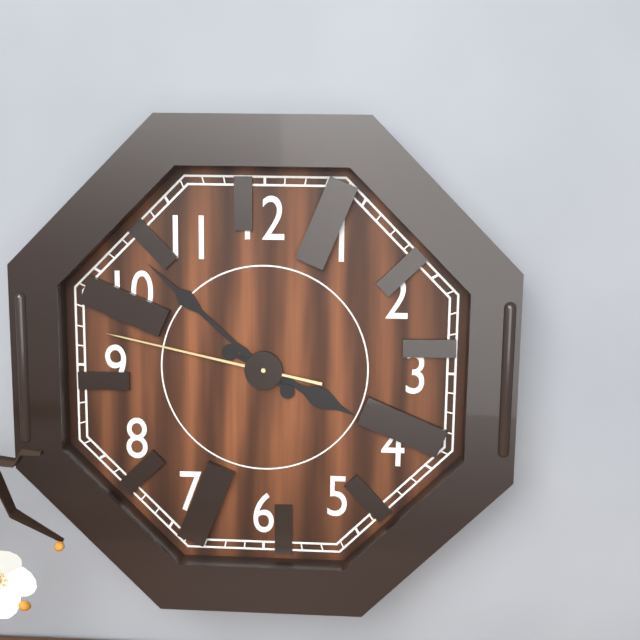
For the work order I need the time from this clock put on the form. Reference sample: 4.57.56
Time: 3.52.47
